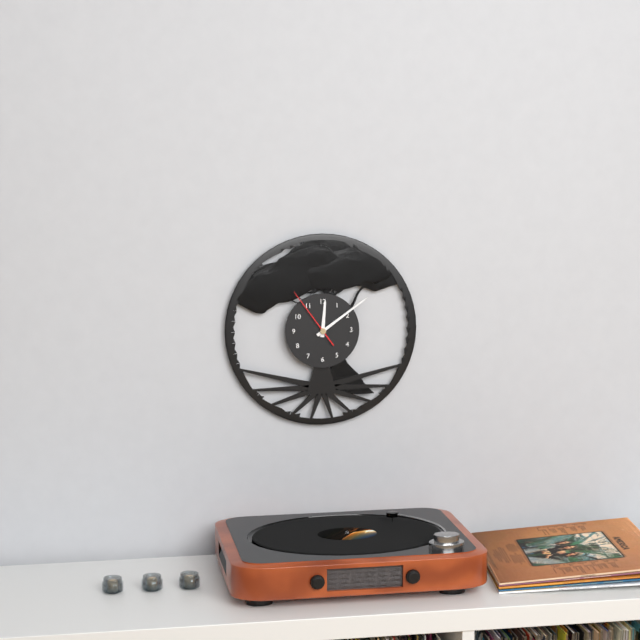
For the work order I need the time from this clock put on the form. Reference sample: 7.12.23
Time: 12.09.54
